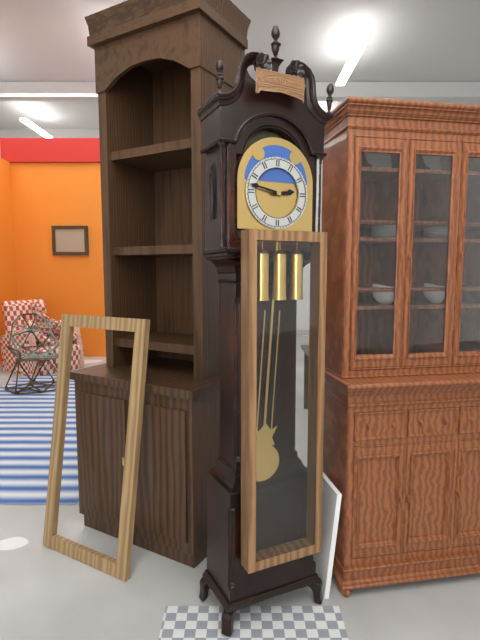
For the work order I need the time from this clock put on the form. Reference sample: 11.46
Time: 2.47
